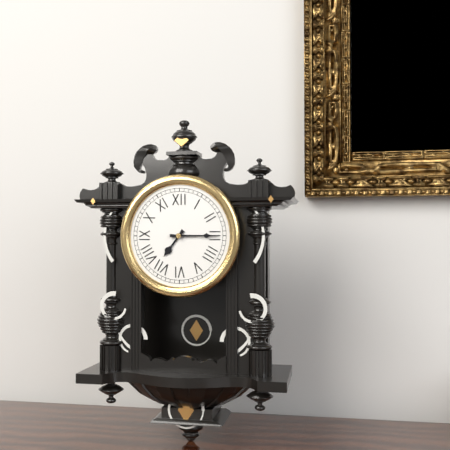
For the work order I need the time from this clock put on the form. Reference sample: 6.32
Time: 7.15
